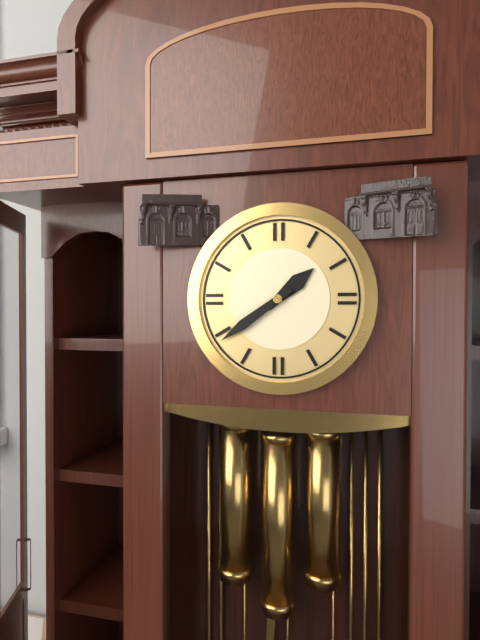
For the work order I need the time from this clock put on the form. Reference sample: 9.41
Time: 1.39
